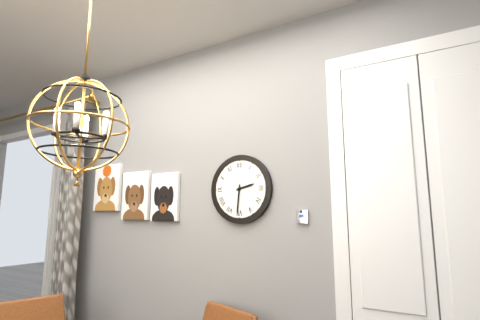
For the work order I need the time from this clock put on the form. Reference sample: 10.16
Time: 2.31
